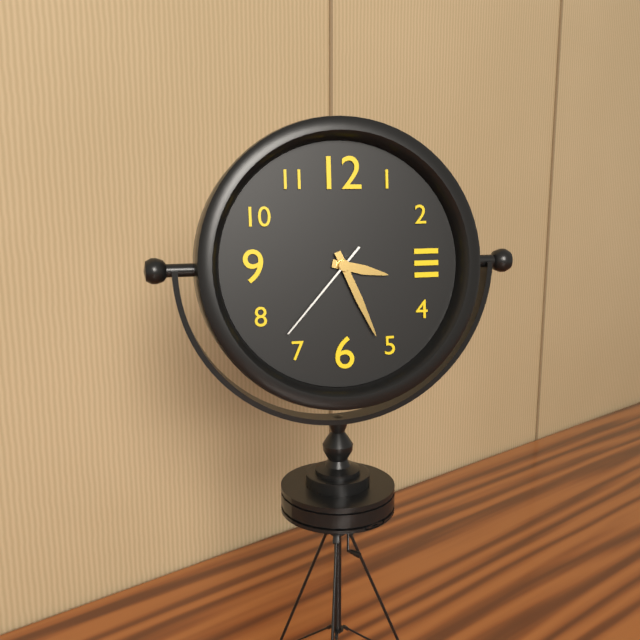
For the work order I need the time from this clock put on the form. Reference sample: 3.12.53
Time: 3.26.37
